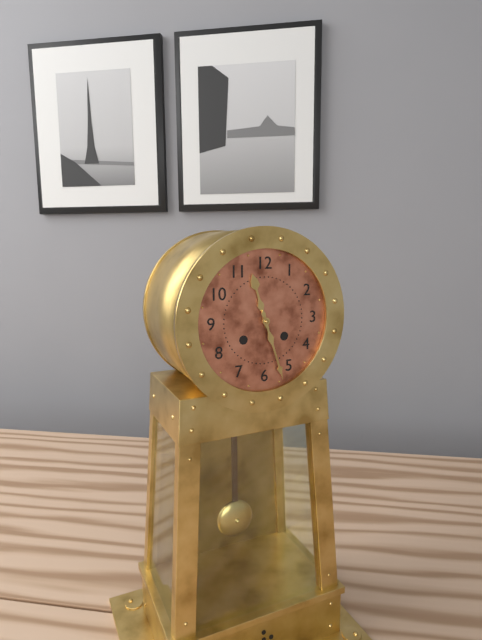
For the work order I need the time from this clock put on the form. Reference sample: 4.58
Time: 11.27
